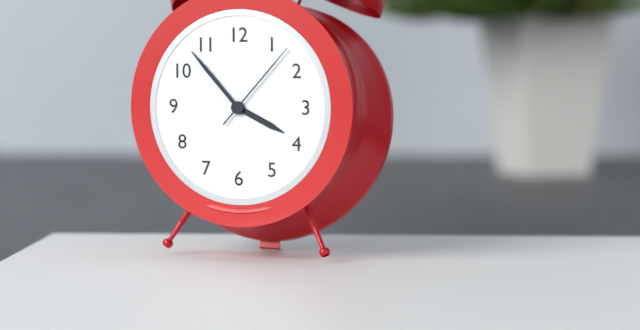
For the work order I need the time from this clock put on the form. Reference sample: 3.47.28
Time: 3.53.07
